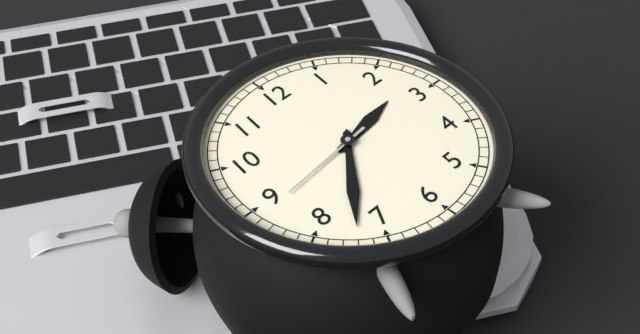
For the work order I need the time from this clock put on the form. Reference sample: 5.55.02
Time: 2.37.44
